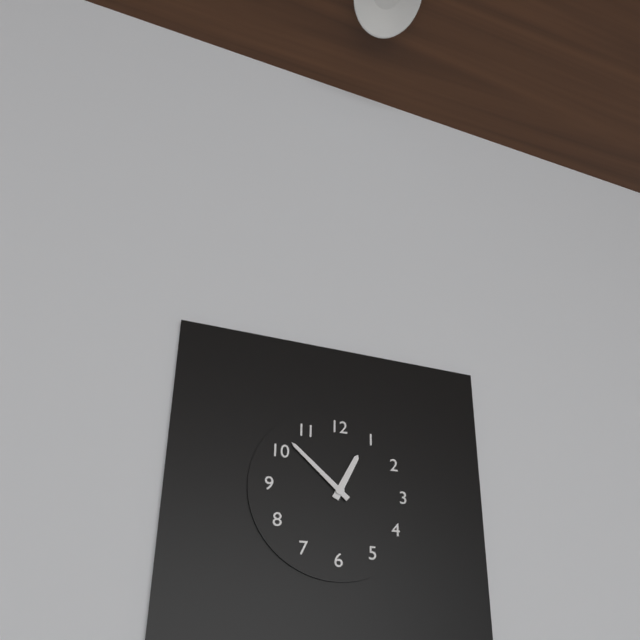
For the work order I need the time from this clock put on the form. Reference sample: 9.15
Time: 12.52
